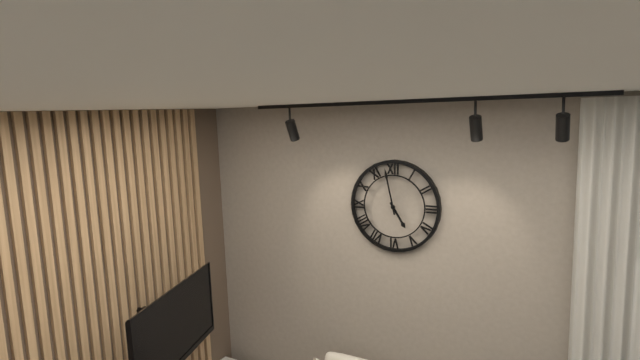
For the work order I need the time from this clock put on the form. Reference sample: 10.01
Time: 4.58
